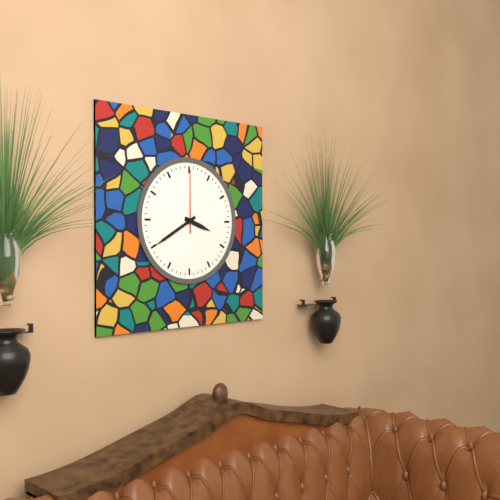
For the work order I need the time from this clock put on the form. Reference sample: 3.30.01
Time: 3.40.00
